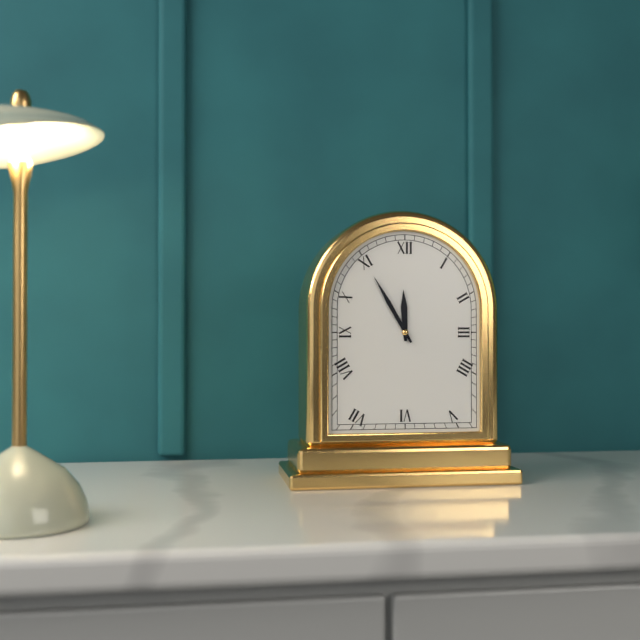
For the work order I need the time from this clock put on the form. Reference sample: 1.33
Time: 11.55
